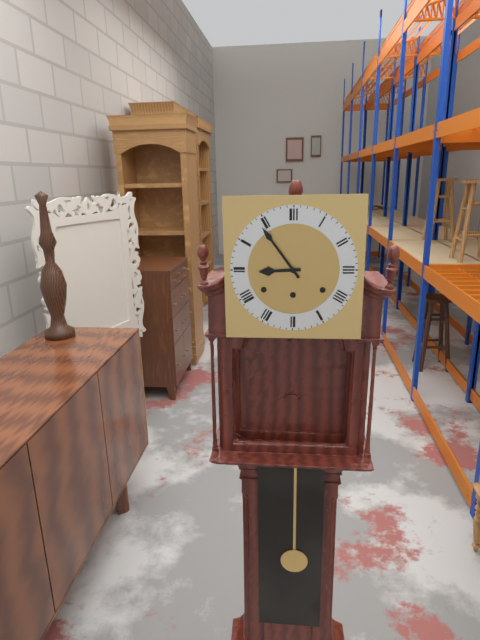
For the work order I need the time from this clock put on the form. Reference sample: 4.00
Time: 8.54
